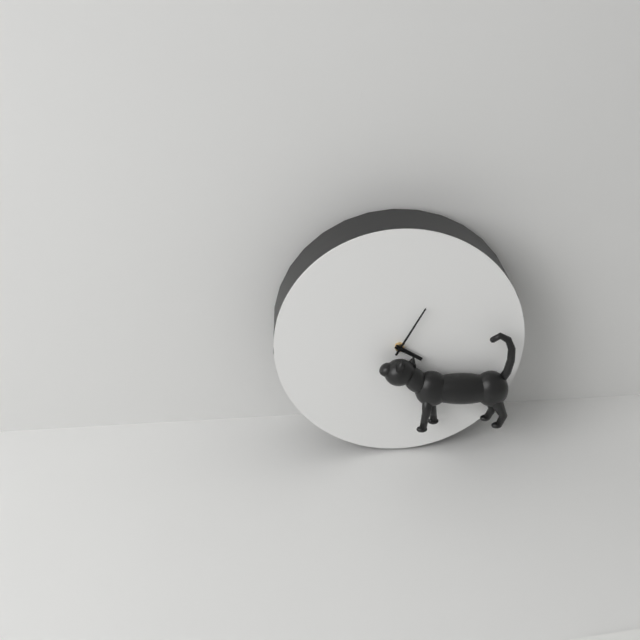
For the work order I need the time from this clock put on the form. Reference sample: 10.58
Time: 4.05
